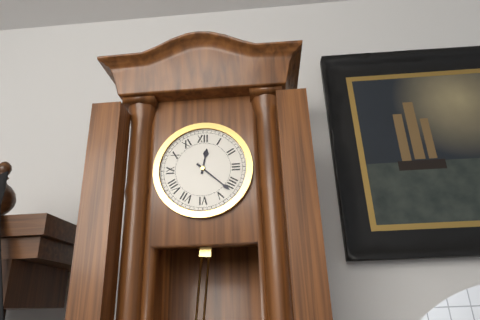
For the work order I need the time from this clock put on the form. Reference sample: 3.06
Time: 12.22
